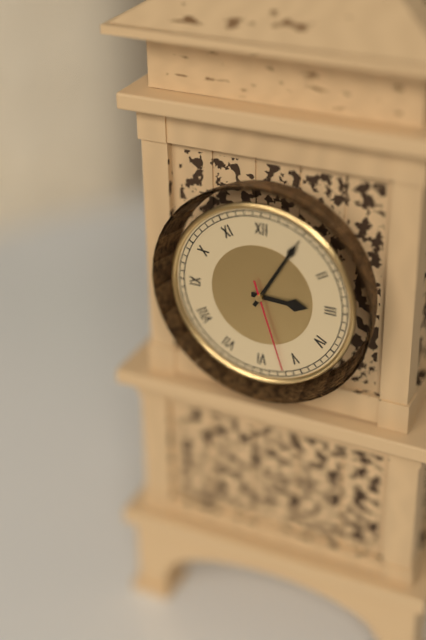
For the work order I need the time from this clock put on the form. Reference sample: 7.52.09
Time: 3.05.27
